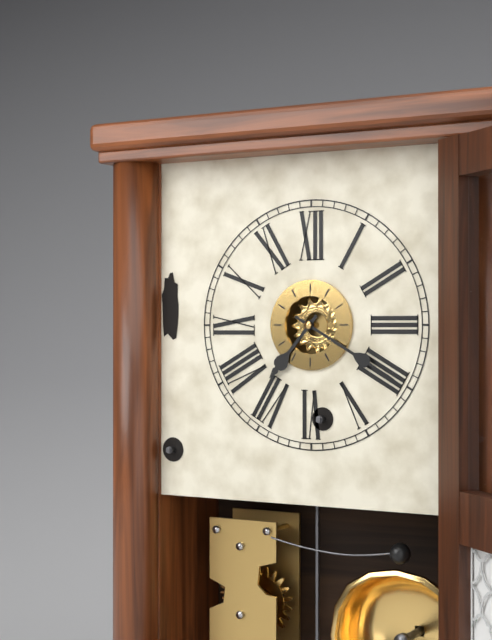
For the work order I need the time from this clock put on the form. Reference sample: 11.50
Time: 7.20
